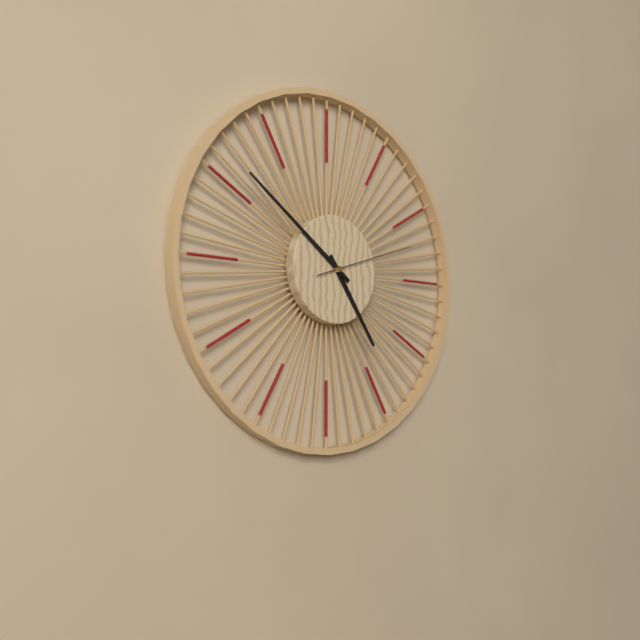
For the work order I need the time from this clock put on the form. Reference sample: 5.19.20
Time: 4.51.12
